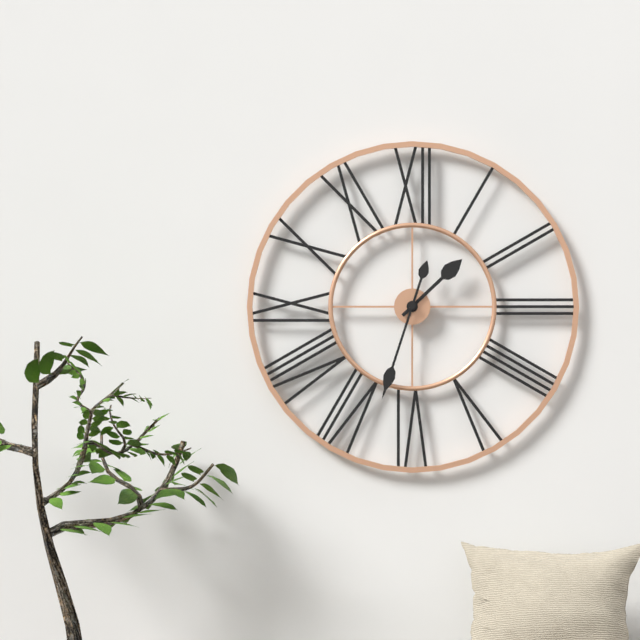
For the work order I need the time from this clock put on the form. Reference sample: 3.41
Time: 1.33
